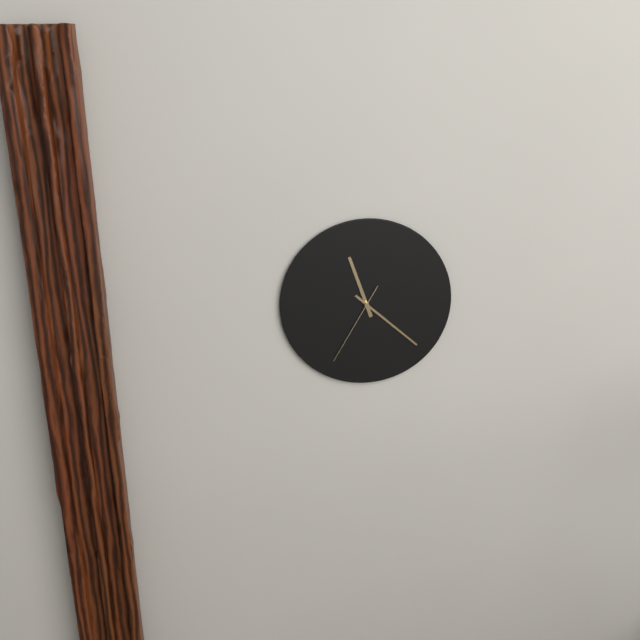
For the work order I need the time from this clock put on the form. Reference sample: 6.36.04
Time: 11.22.35
